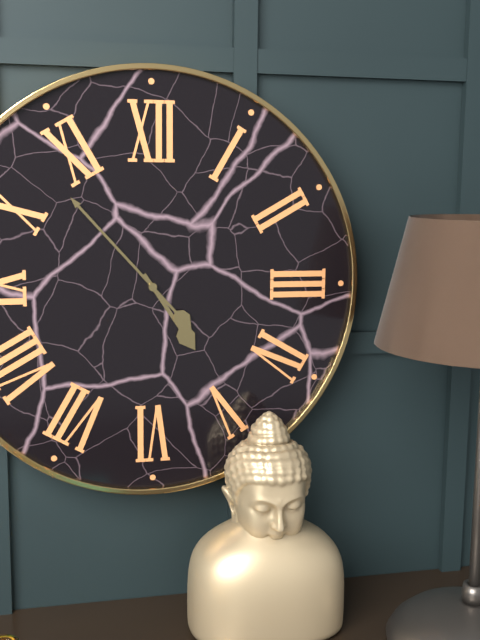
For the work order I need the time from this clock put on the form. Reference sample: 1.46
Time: 4.53
